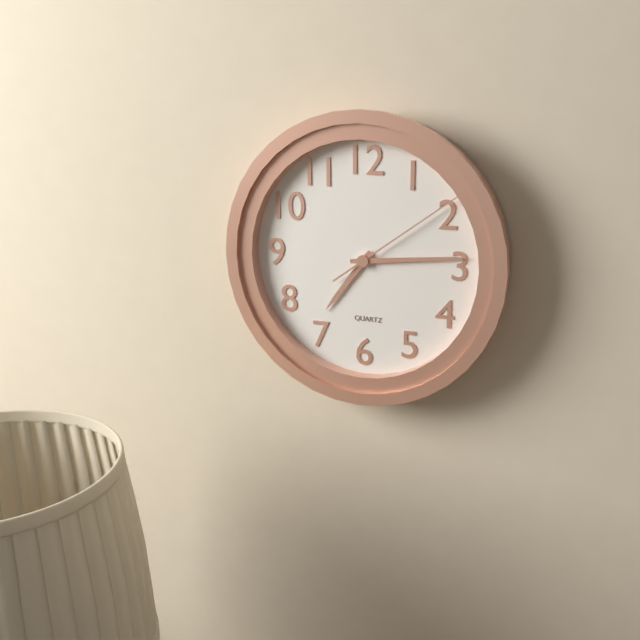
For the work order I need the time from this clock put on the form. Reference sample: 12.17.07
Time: 7.14.09
